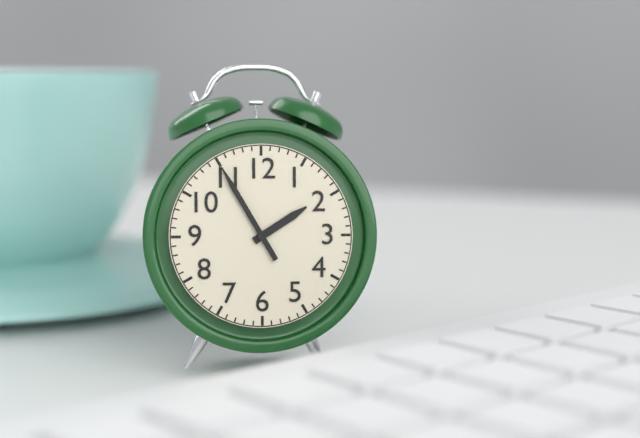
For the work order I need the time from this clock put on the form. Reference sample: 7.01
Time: 1.55
